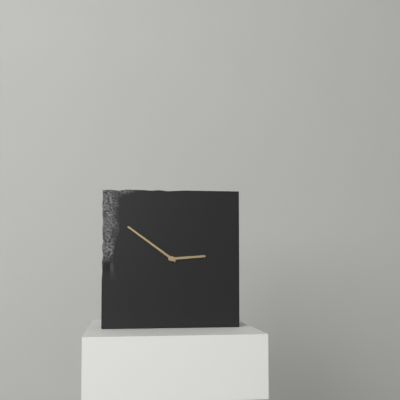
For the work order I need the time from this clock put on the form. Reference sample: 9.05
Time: 2.51
